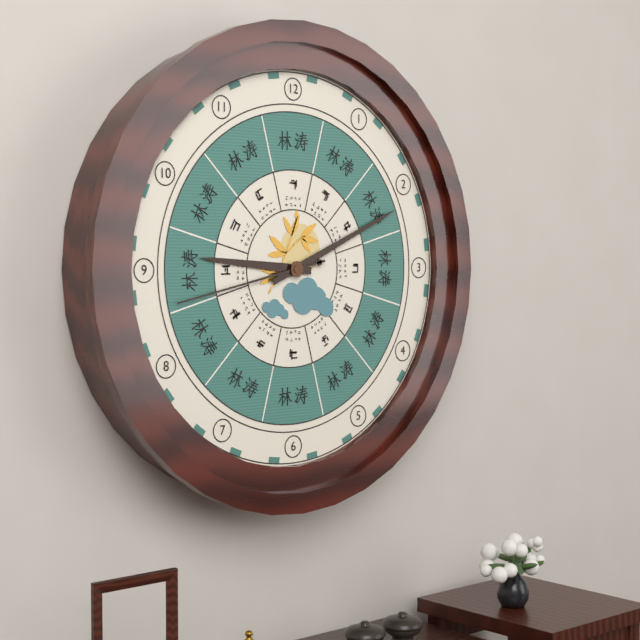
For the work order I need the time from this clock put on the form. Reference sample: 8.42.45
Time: 9.11.43
